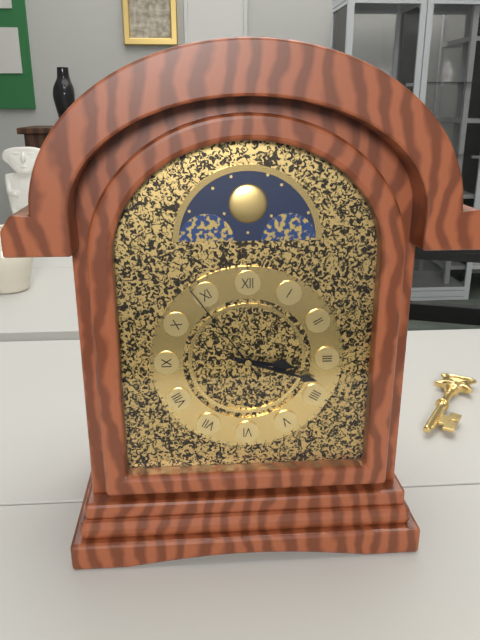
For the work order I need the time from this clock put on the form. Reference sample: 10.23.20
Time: 3.18.54
